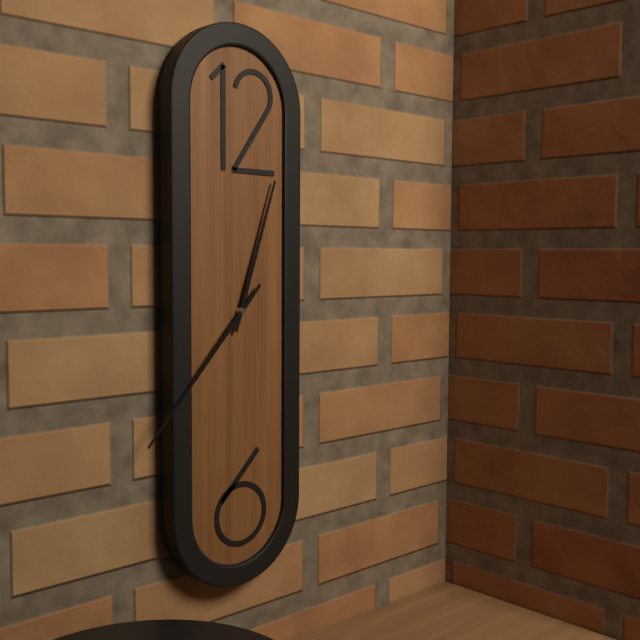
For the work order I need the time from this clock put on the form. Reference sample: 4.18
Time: 12.37
